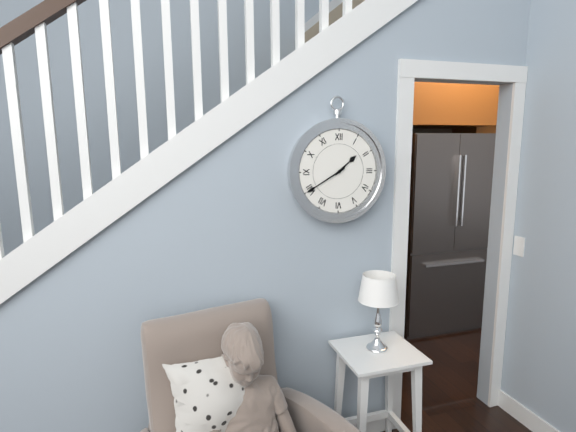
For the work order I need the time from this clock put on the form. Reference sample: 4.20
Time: 1.40
